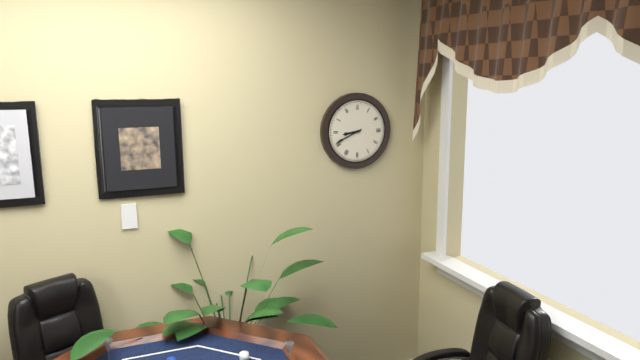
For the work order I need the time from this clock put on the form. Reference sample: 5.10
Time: 8.41
